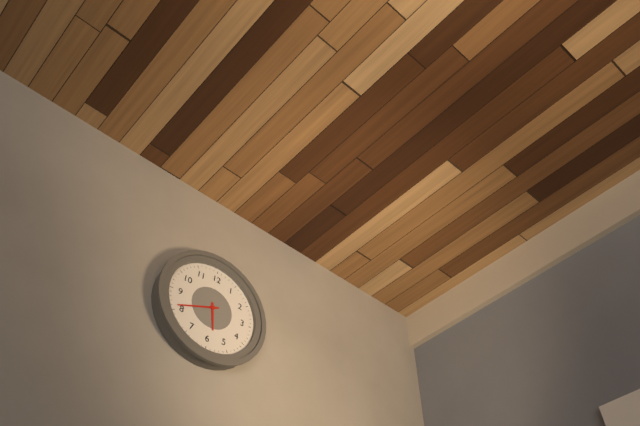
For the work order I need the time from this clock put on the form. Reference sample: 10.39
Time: 5.41
